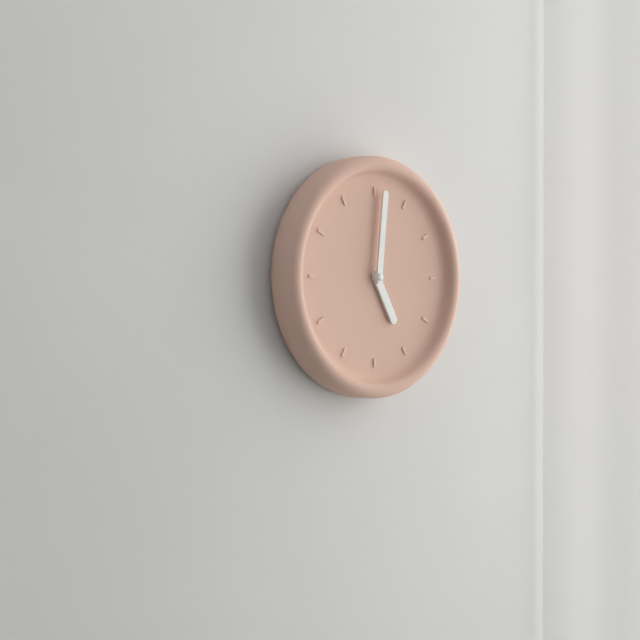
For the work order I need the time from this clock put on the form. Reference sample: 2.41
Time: 5.01
